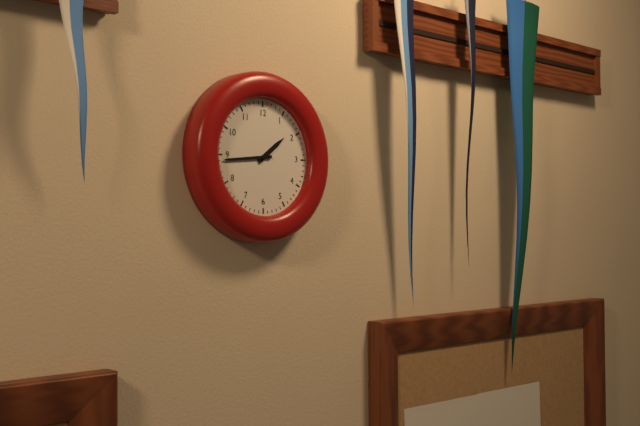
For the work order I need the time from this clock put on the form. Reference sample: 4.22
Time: 1.44
